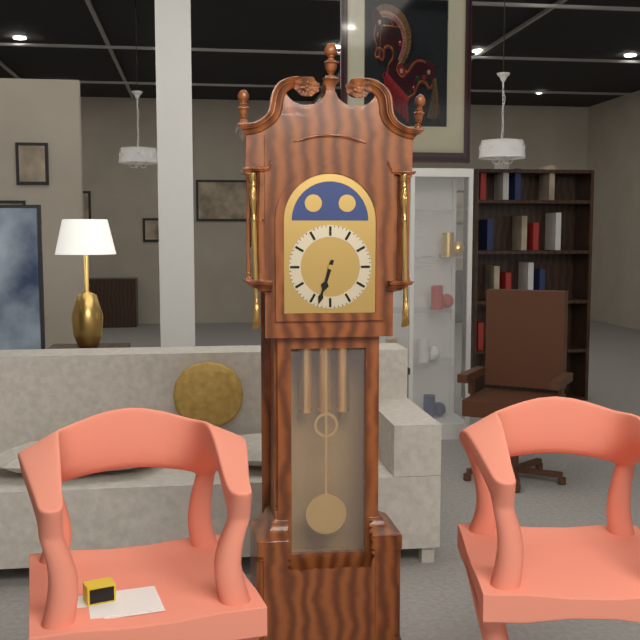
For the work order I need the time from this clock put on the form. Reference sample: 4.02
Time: 6.33
